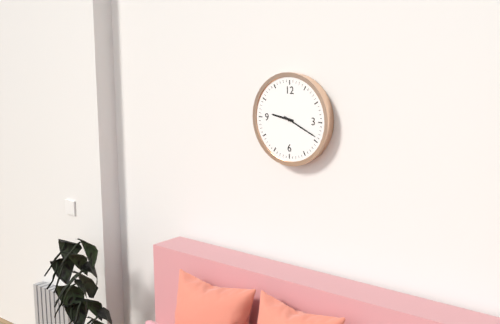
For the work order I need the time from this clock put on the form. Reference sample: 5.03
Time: 9.19
